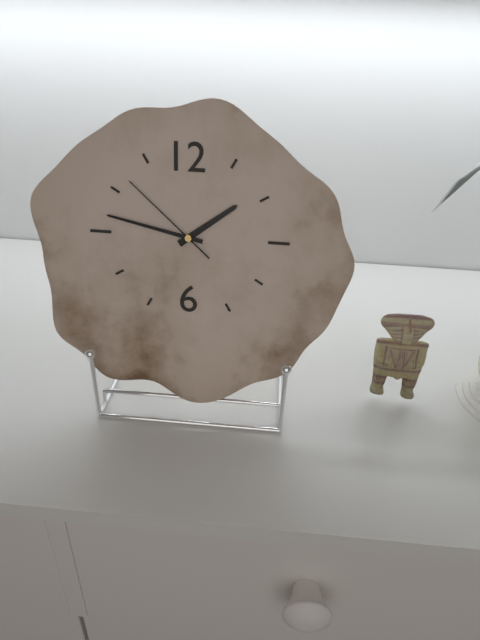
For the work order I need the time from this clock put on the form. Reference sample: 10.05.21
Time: 1.47.52
